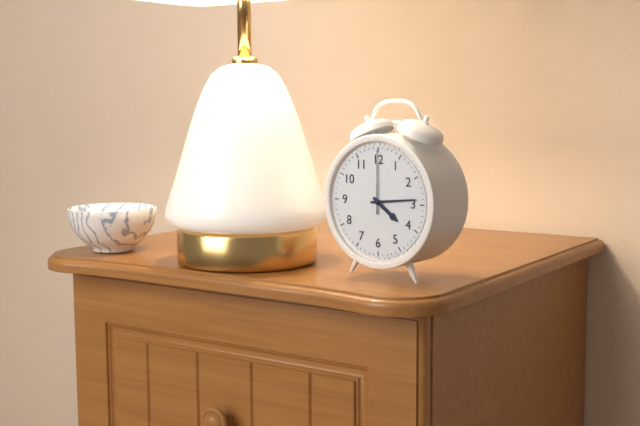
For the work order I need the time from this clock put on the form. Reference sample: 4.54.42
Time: 4.14.00
